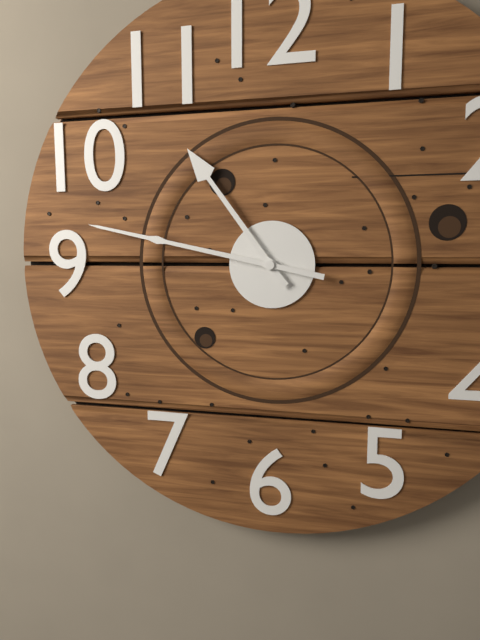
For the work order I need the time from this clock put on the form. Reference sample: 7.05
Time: 10.47
